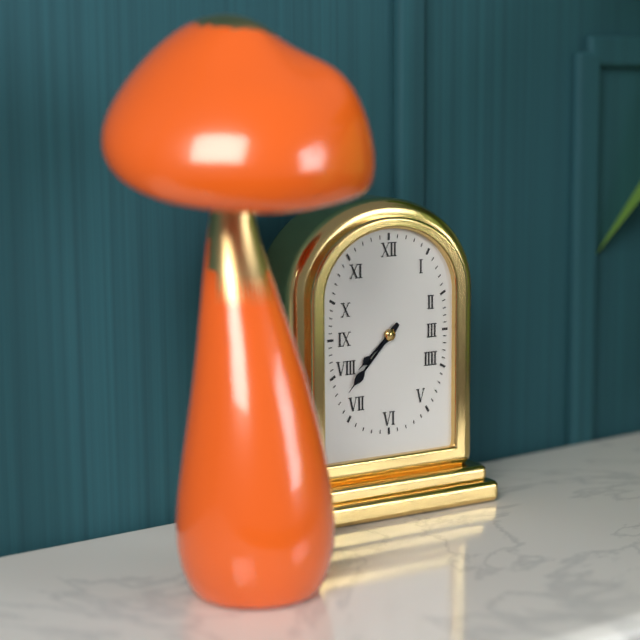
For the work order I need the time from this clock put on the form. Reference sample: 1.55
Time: 7.37
